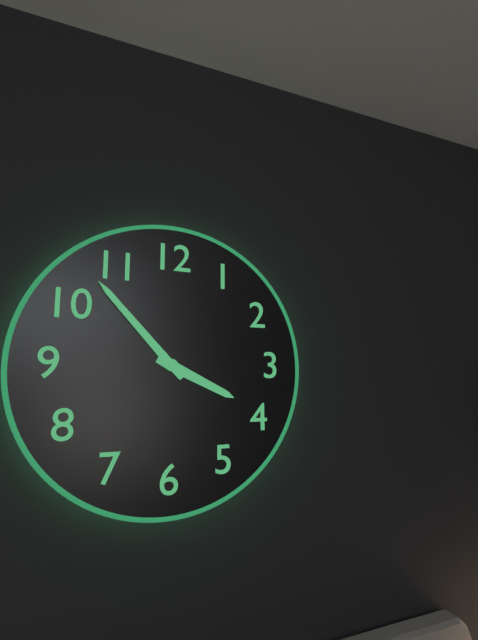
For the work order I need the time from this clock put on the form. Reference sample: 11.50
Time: 3.53
